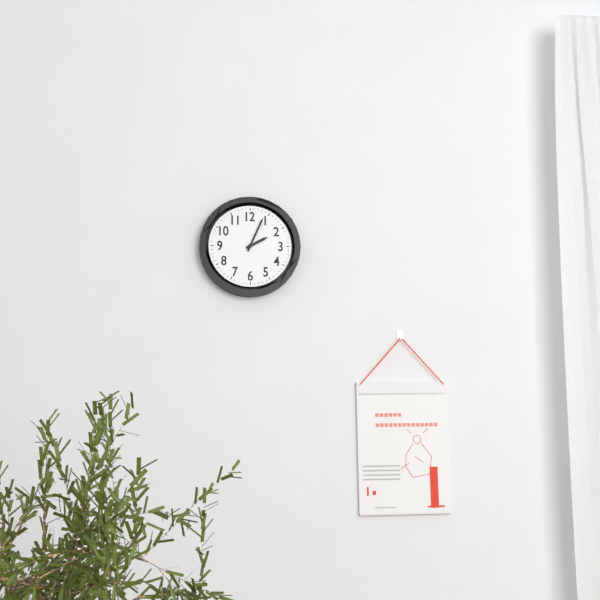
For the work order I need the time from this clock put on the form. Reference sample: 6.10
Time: 2.04
